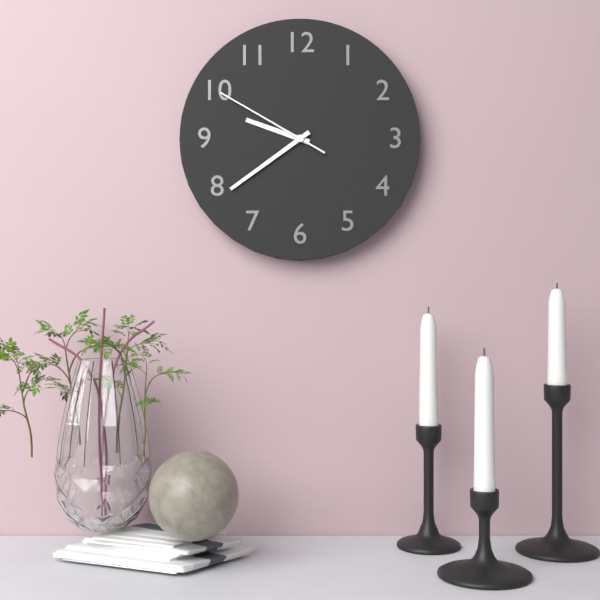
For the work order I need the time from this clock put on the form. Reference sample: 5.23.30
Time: 9.39.50
